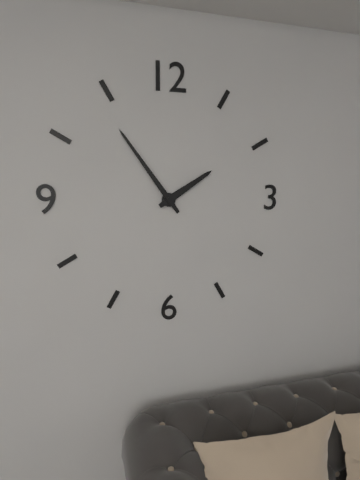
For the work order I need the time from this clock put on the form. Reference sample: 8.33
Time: 1.54
